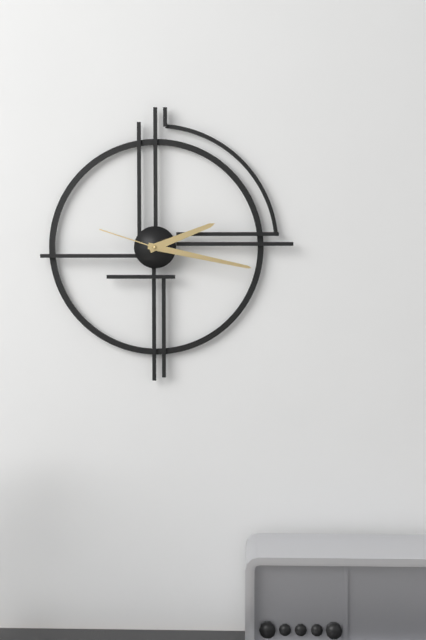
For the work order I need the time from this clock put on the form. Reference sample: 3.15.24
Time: 2.17.48
